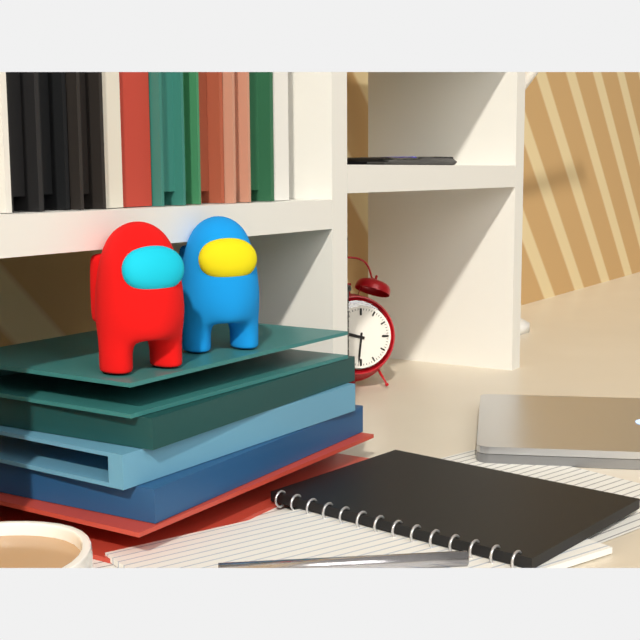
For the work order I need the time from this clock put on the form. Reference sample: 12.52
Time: 9.31
